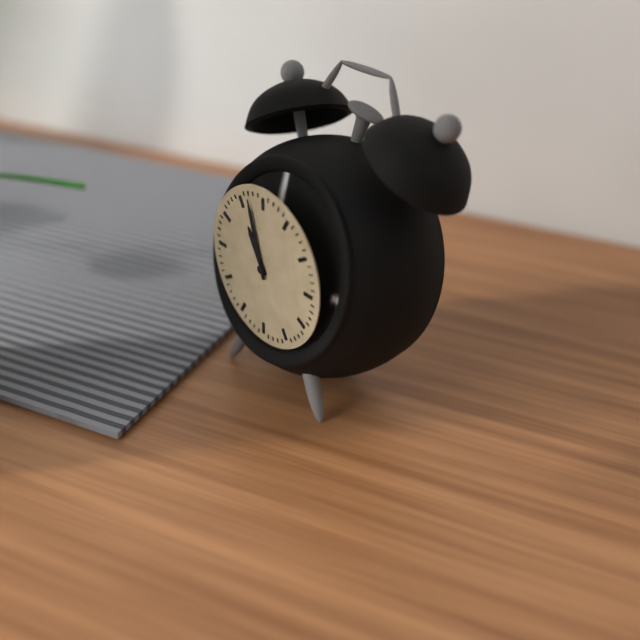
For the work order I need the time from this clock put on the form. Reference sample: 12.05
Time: 10.57
